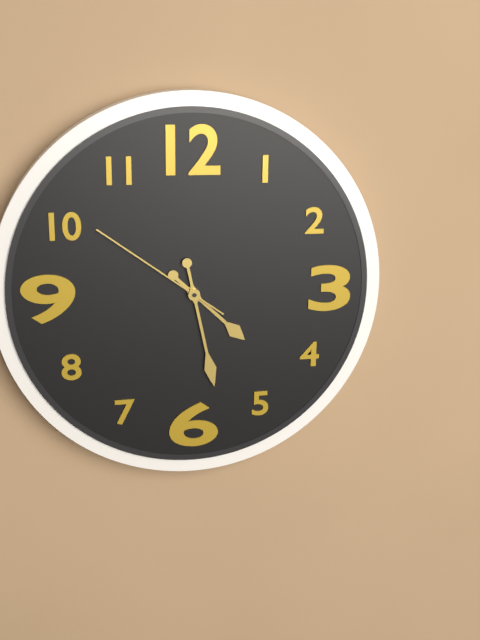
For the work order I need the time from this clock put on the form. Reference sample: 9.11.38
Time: 4.28.51
